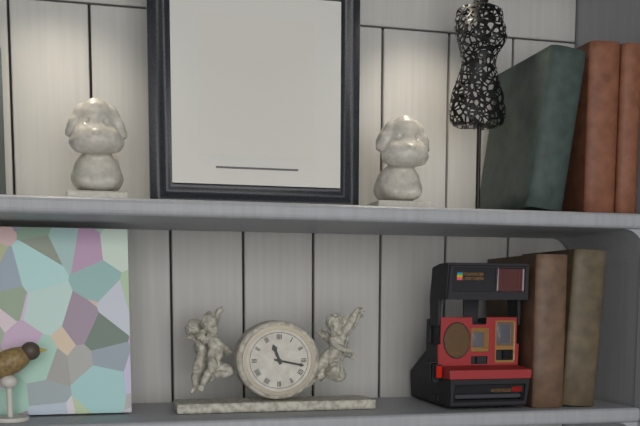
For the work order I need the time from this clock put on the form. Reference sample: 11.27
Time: 11.17
